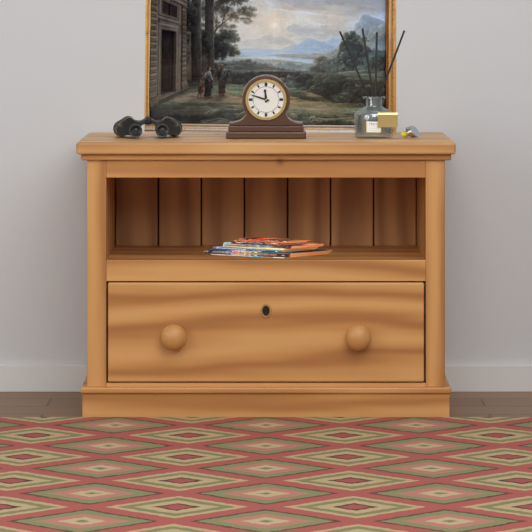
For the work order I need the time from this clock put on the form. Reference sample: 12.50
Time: 11.48
